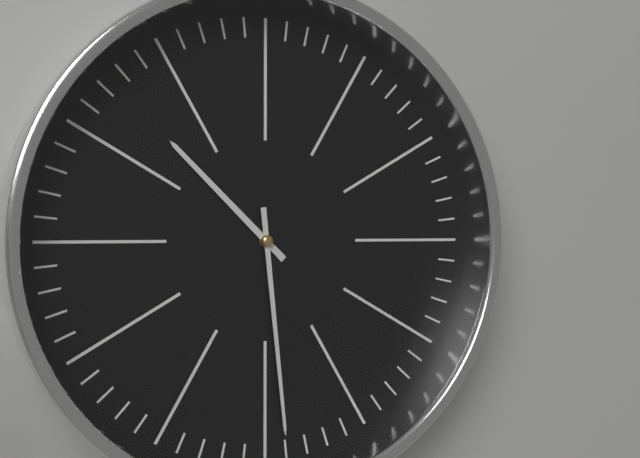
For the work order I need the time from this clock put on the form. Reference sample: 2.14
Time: 10.29
